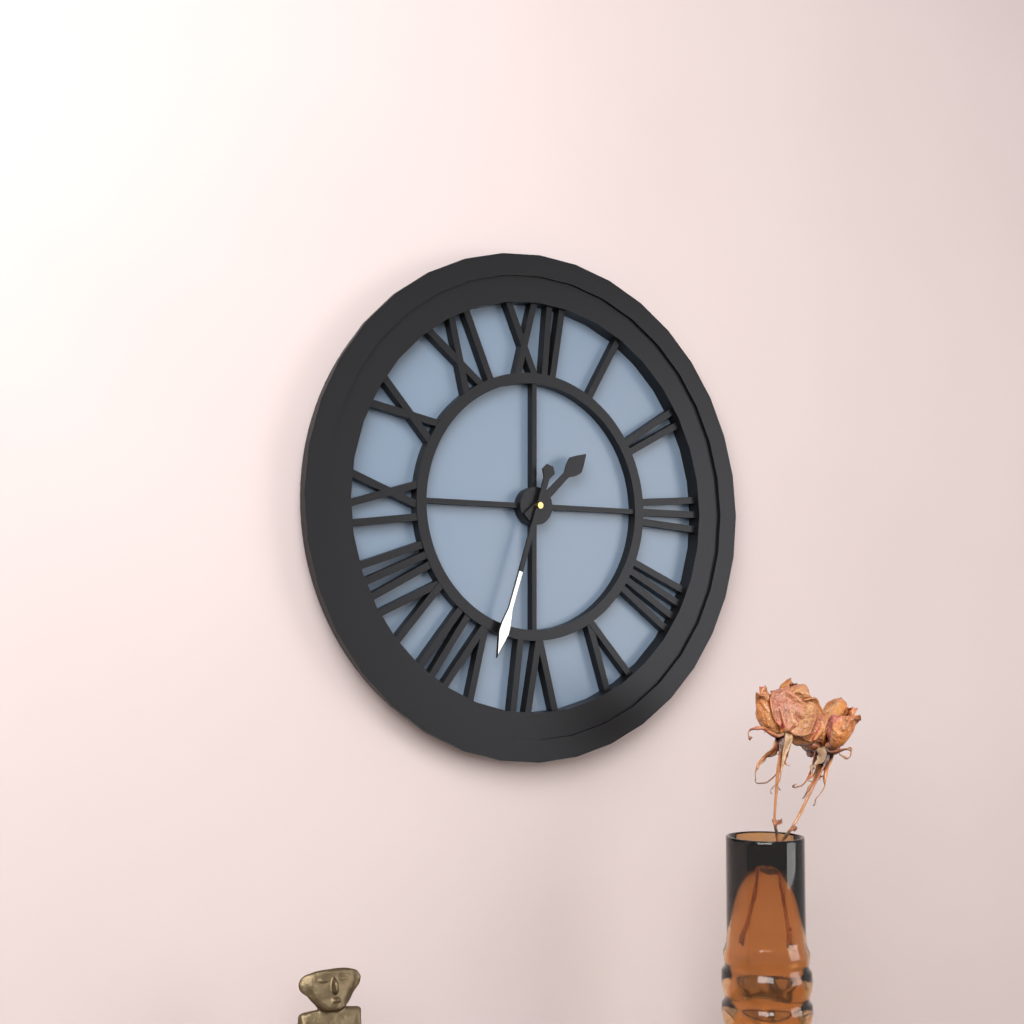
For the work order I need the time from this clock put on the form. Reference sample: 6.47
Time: 1.33
